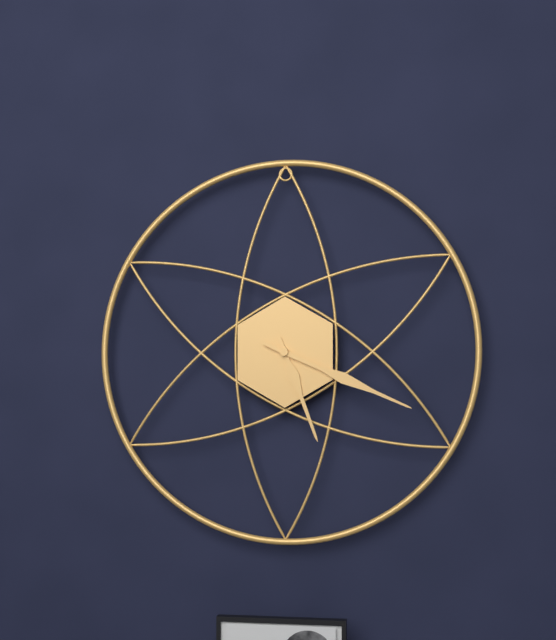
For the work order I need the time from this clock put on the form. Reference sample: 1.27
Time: 5.19
